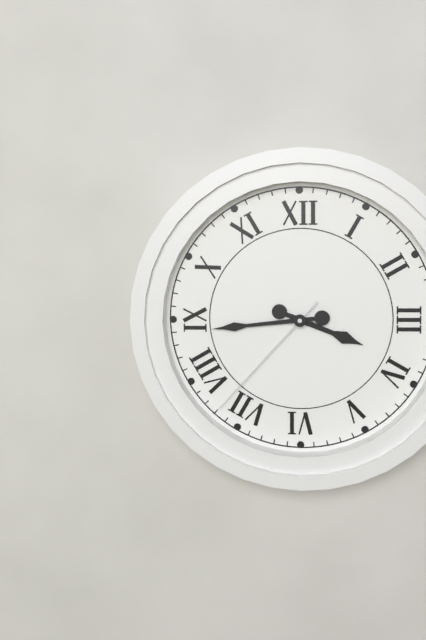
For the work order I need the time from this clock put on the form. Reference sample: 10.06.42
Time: 3.44.37
